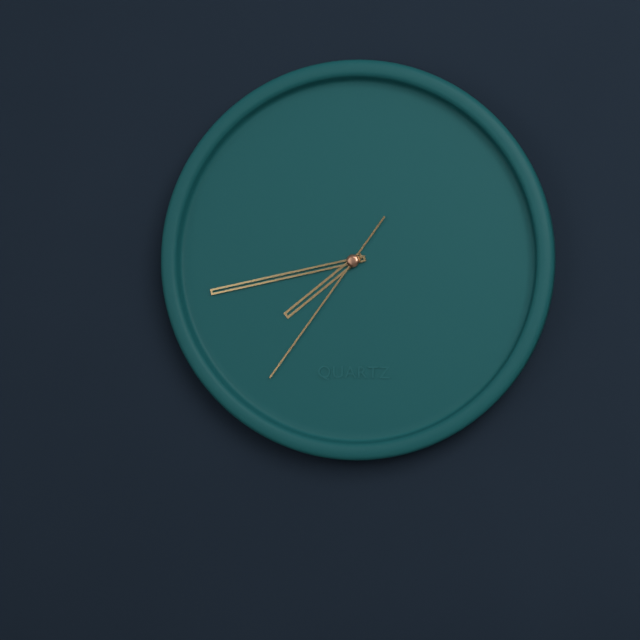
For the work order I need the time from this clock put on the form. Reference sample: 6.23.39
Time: 7.43.36
